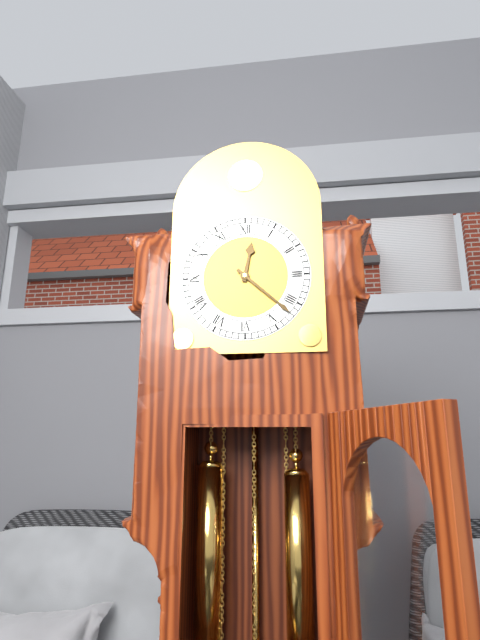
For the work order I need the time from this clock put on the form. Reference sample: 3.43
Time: 12.22
